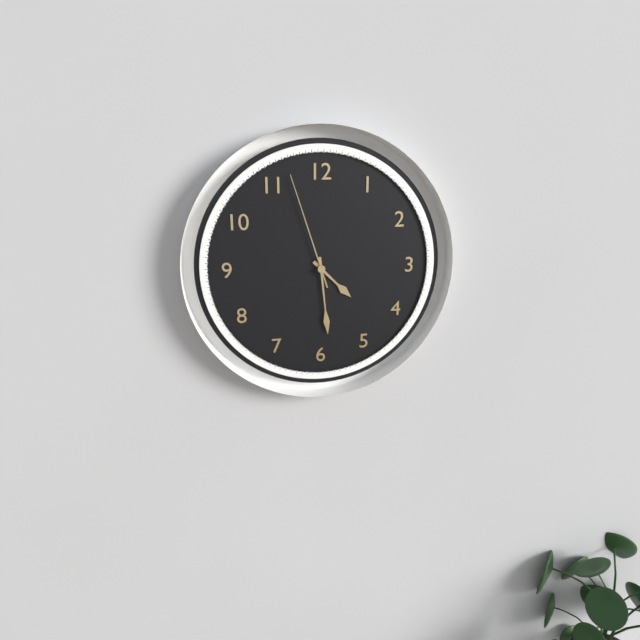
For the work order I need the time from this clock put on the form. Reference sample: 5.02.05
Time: 4.29.57
